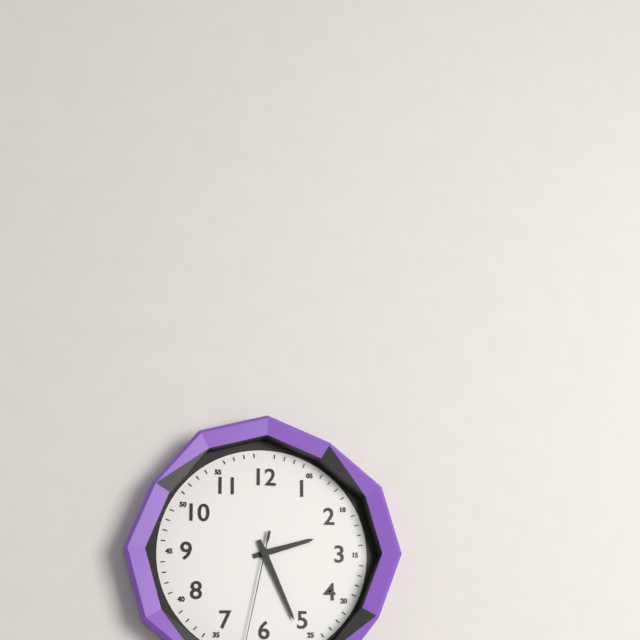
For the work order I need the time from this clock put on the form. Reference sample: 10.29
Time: 2.26
